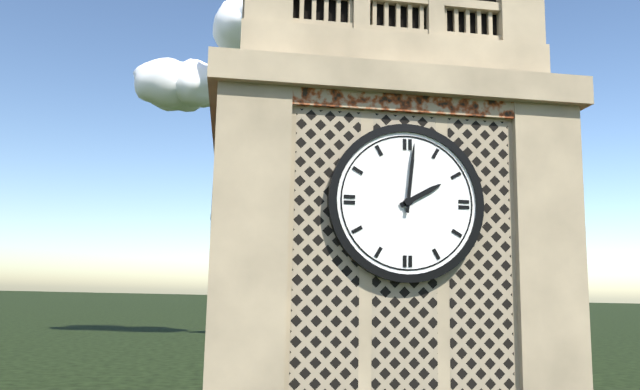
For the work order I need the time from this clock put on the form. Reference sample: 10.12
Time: 2.01
